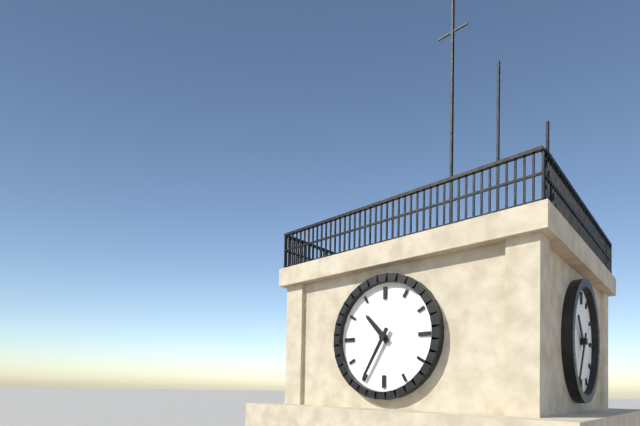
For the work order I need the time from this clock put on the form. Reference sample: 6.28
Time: 10.35
